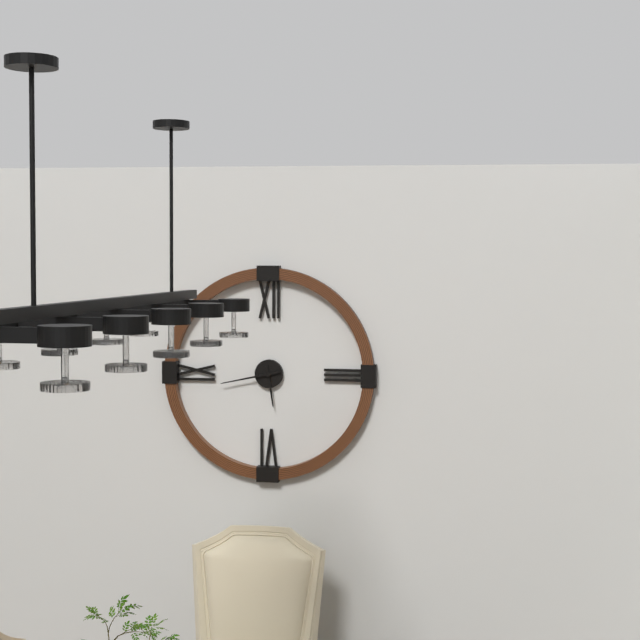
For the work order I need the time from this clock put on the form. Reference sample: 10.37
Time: 5.43
